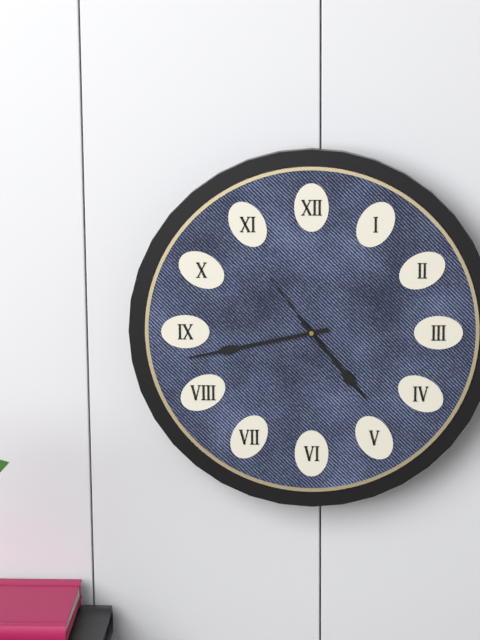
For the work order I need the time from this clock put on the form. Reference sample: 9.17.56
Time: 4.43.54
